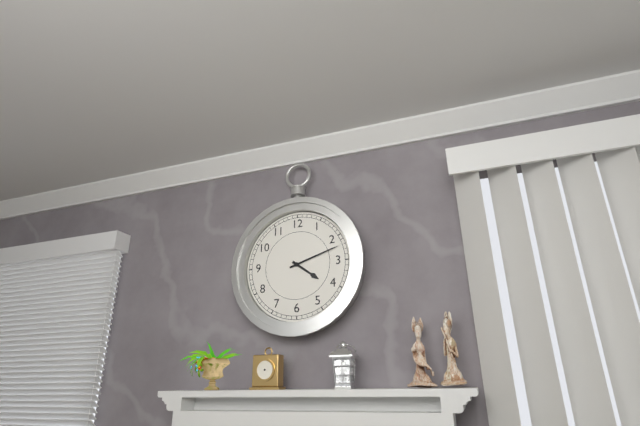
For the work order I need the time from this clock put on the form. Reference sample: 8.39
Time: 4.12
